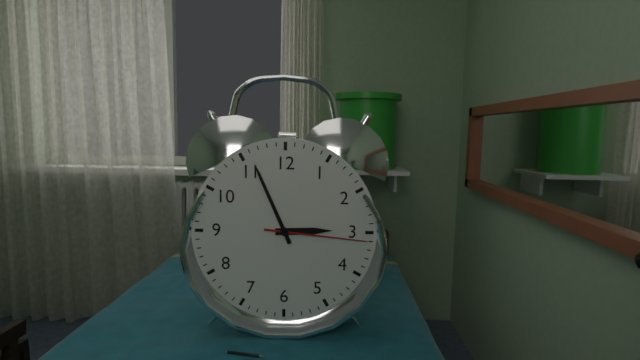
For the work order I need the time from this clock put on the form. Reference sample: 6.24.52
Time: 2.56.16
